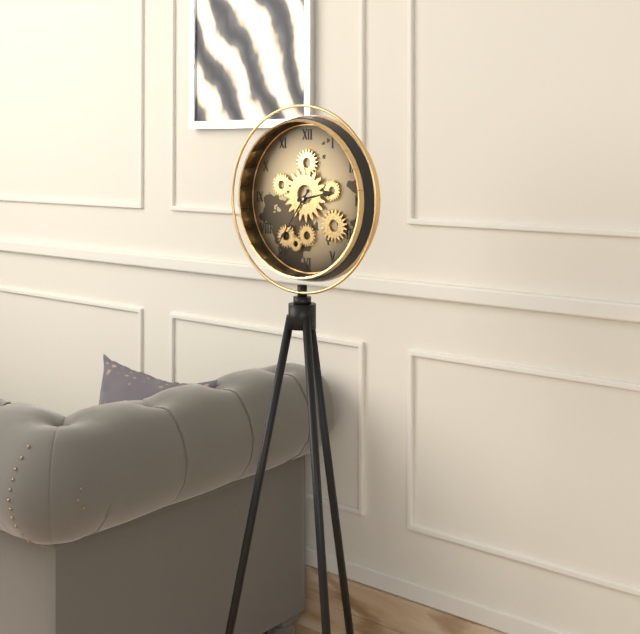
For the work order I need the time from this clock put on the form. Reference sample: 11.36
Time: 2.36
